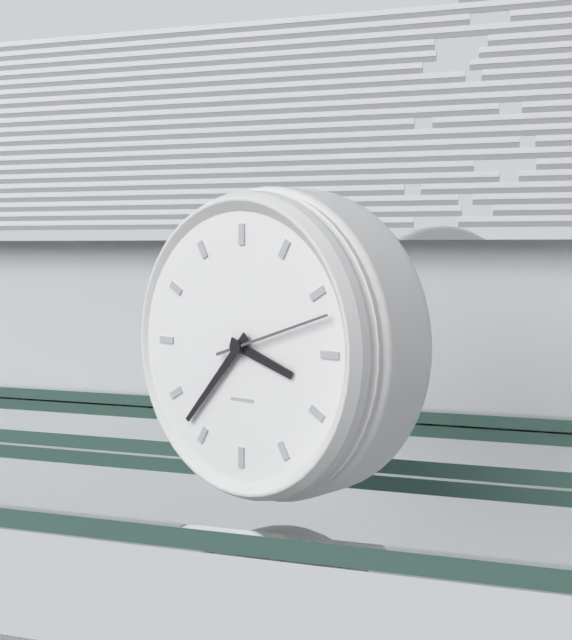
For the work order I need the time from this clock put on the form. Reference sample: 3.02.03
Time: 3.37.12
